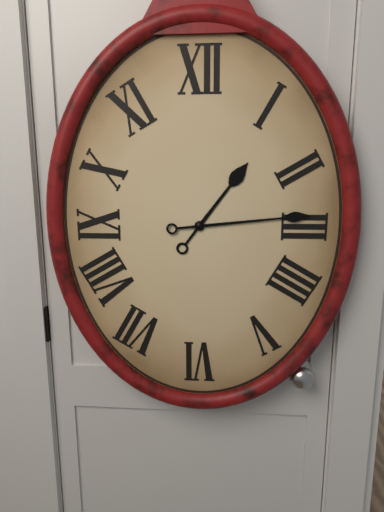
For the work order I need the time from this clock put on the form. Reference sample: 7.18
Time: 1.14
